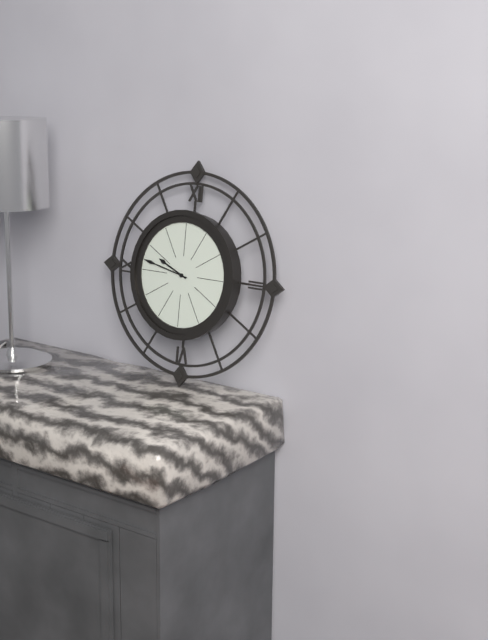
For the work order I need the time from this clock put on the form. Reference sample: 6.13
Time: 9.47
